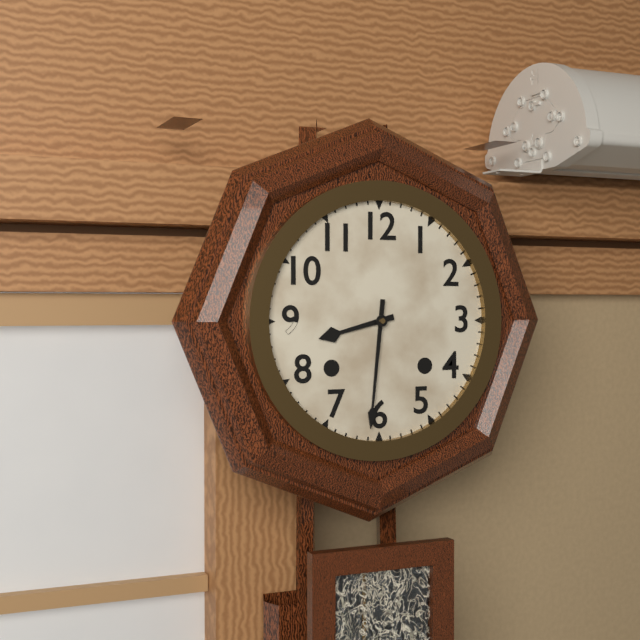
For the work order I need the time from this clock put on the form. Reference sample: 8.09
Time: 8.31
